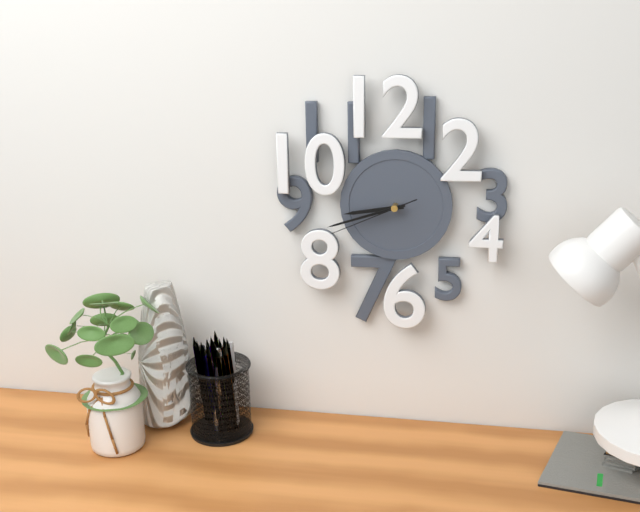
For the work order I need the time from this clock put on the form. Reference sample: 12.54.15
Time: 8.42.41
